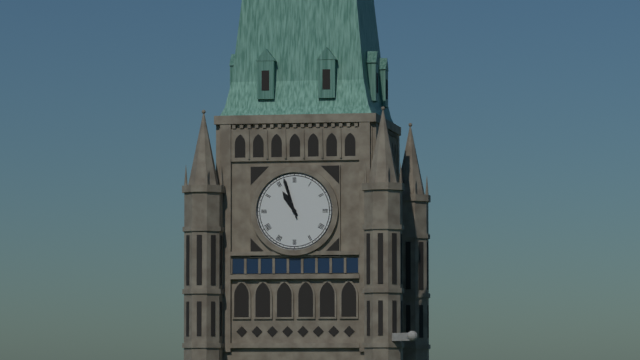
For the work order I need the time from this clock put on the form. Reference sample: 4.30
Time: 10.57
